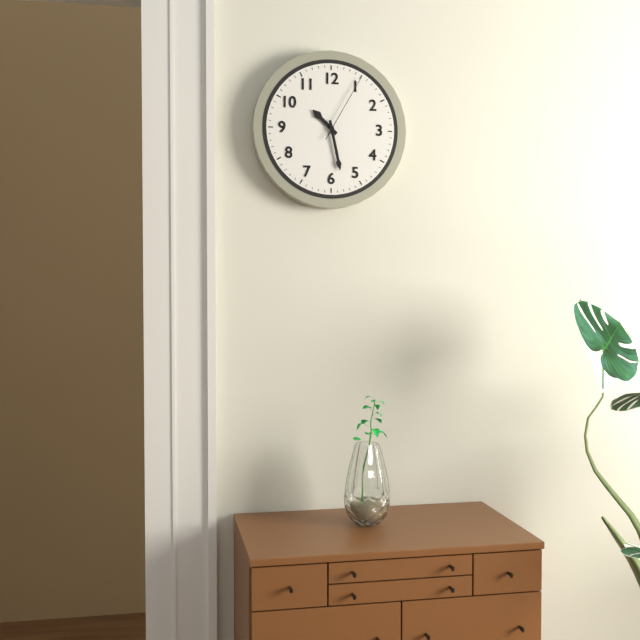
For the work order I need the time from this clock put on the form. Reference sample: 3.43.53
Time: 10.28.05
